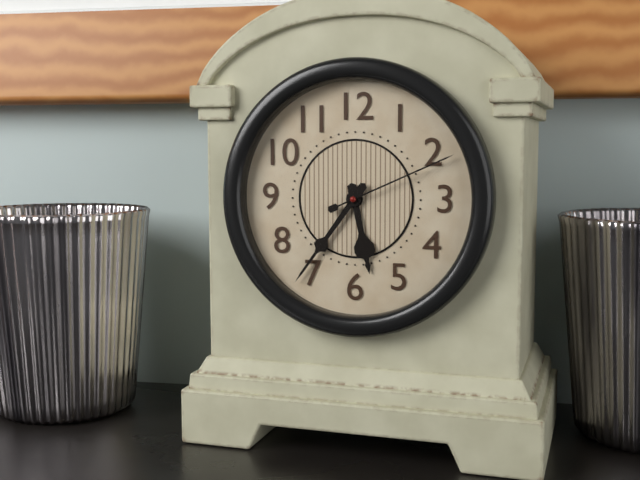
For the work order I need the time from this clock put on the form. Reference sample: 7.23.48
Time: 5.36.11
